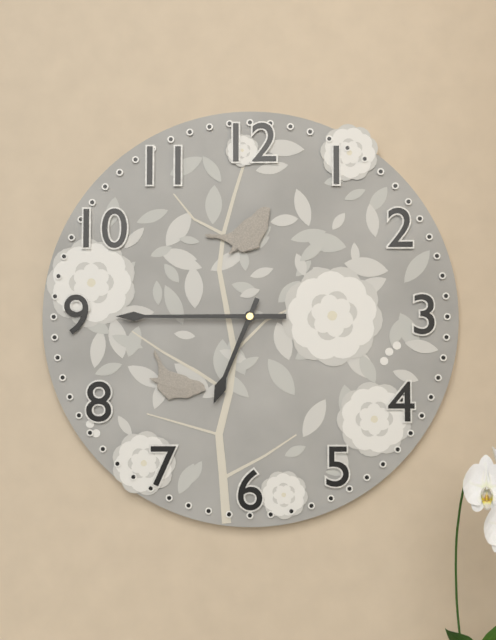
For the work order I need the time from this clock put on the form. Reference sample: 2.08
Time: 6.45
